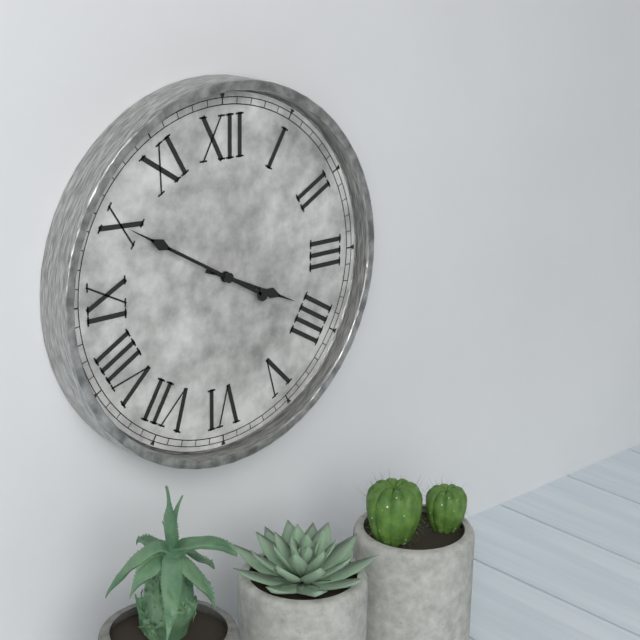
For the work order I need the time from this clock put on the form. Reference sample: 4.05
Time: 3.50
